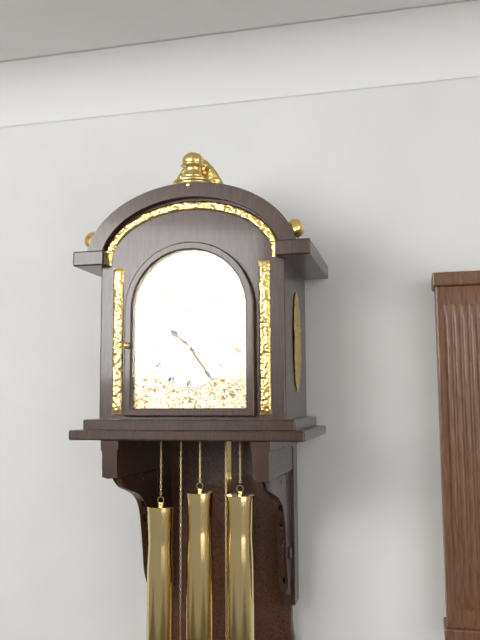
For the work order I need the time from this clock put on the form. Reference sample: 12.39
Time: 10.24
